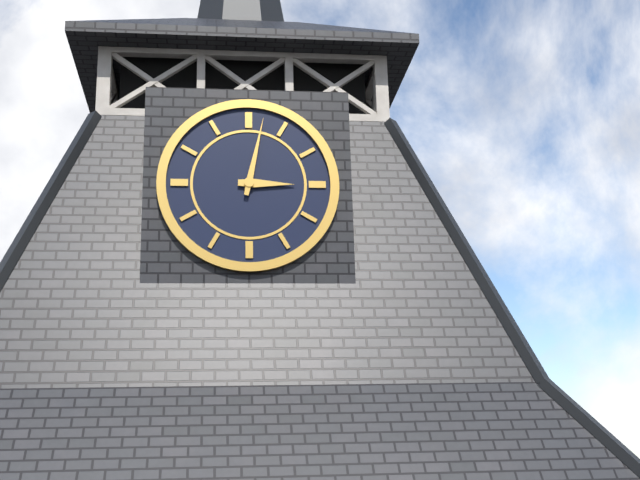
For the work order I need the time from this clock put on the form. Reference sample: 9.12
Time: 3.02
